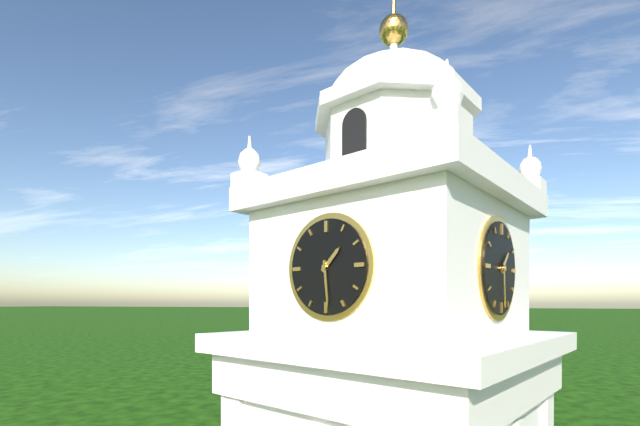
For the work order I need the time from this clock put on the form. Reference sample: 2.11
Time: 1.29
